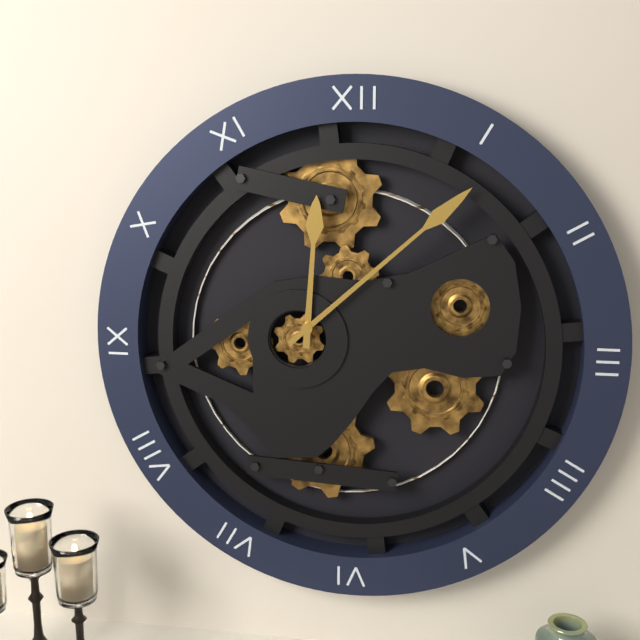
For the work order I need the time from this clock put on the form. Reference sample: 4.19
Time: 12.08
